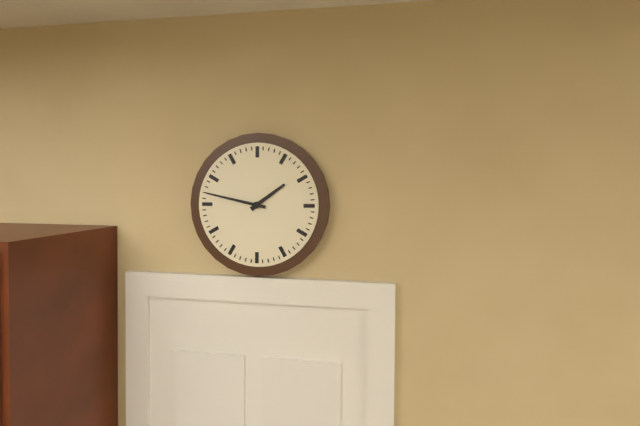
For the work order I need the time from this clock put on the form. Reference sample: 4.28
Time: 1.47
